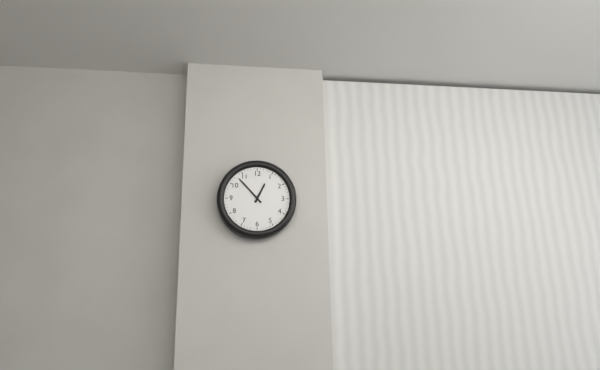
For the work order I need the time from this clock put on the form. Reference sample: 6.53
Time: 12.53
